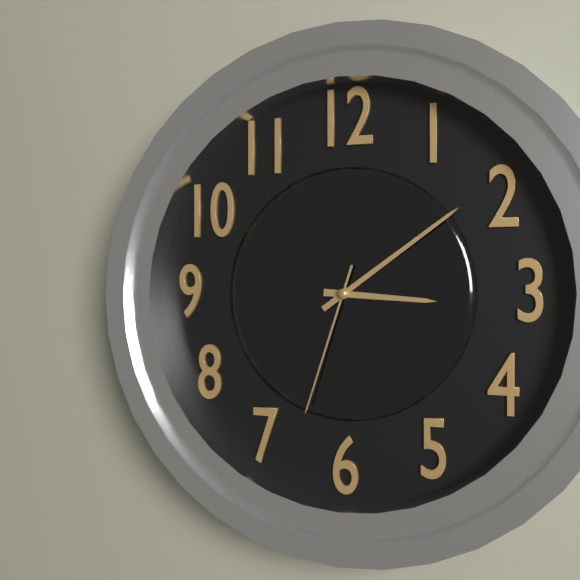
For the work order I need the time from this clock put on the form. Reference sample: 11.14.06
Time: 3.09.33
